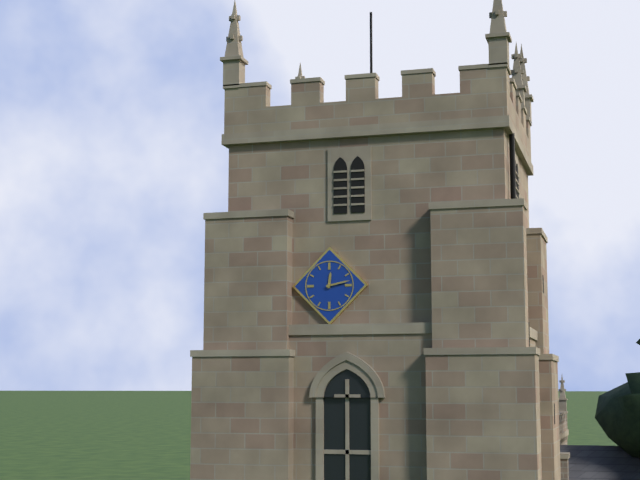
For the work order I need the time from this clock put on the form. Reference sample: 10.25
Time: 12.13
